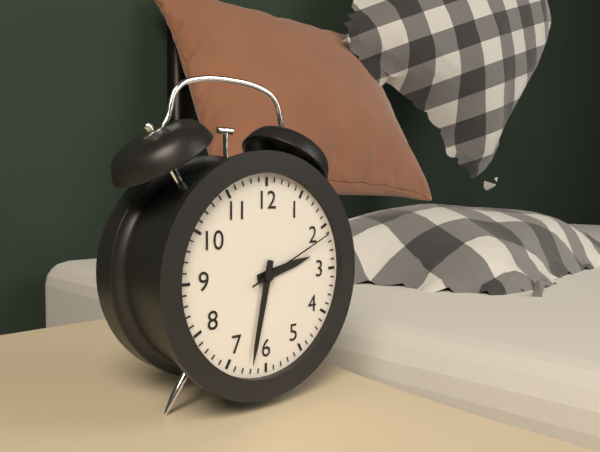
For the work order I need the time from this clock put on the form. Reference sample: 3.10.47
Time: 2.32.11
